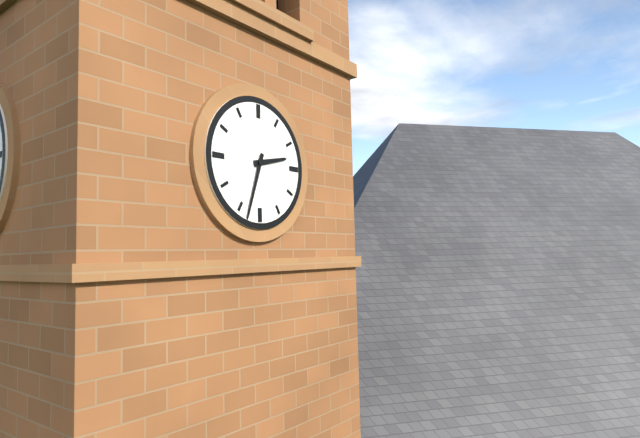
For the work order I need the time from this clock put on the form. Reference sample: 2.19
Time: 2.33
